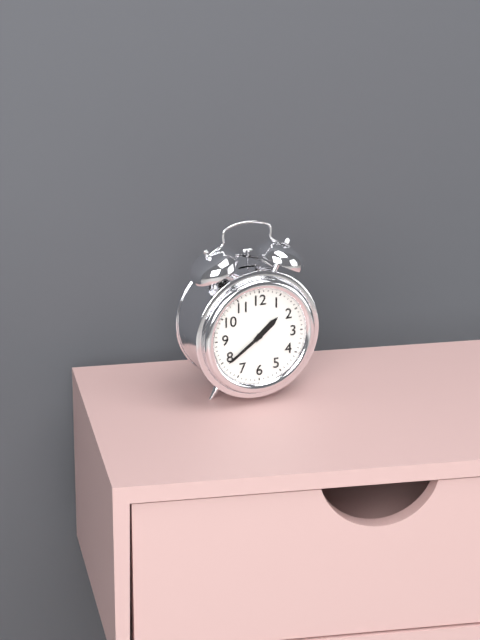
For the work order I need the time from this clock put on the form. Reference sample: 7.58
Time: 1.39
